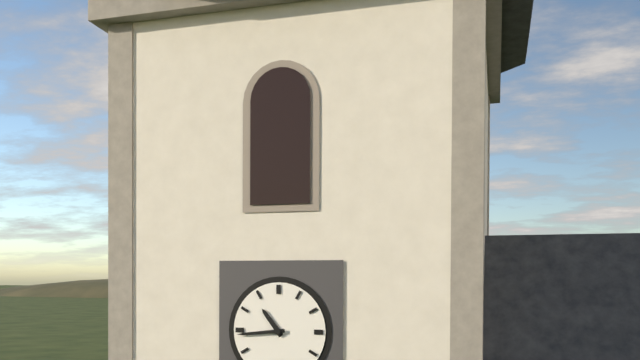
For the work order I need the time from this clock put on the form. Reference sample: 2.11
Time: 10.44
